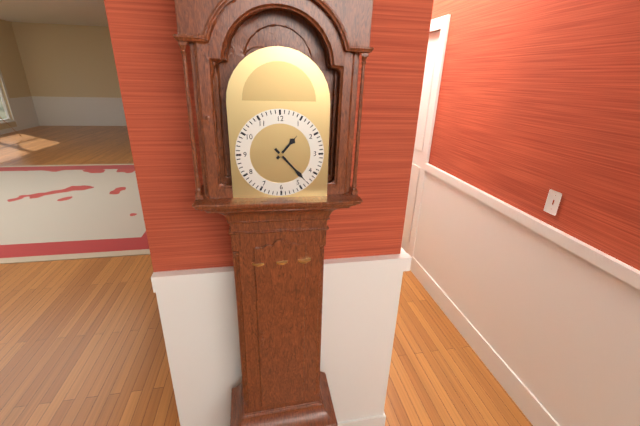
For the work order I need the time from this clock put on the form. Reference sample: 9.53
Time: 1.23
